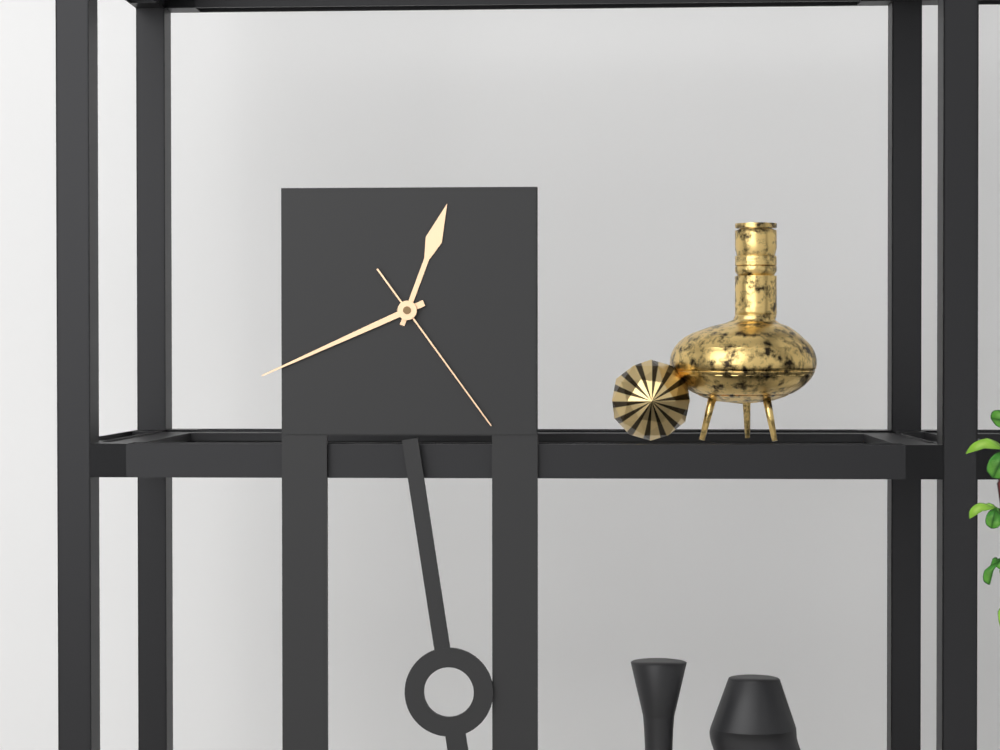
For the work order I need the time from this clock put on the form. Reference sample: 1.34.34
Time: 12.41.24
